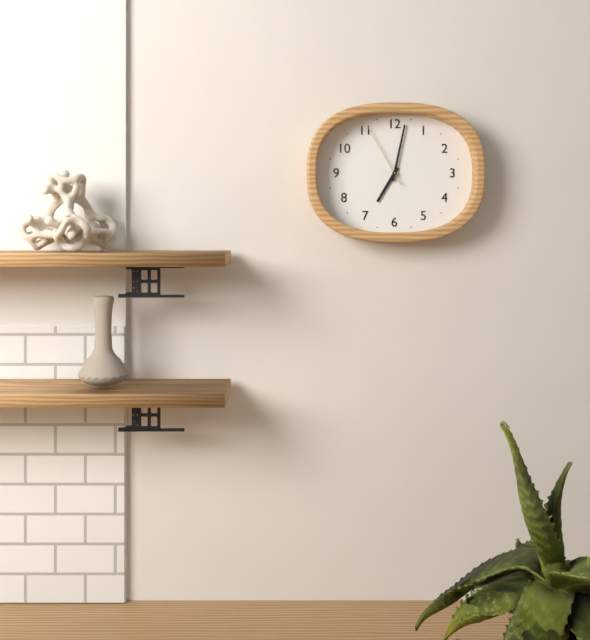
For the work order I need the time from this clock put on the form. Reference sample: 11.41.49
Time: 7.02.55
